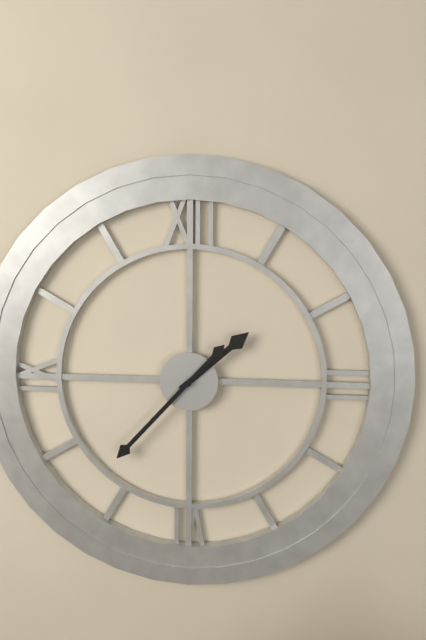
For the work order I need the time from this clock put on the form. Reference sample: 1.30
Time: 1.37
